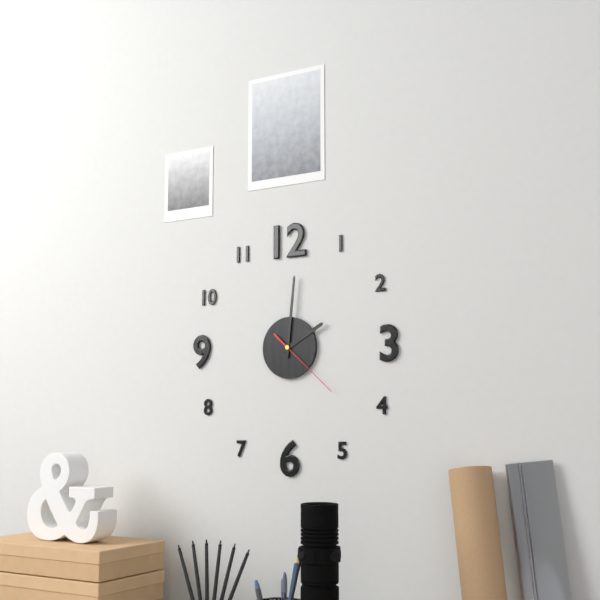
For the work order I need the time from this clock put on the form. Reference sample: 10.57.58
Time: 2.01.22
